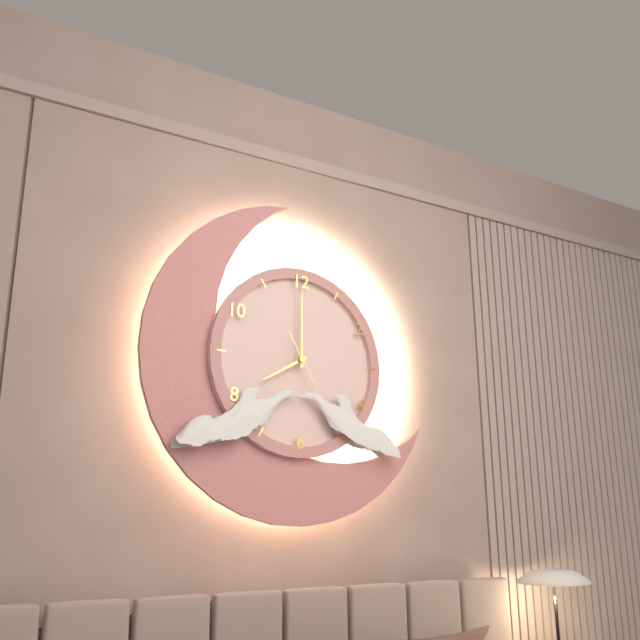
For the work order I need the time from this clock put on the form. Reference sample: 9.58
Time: 8.00
